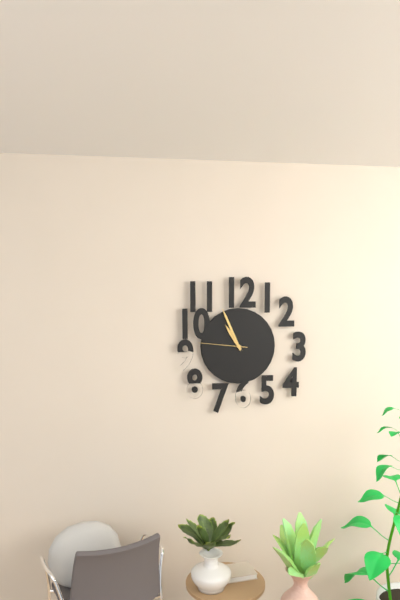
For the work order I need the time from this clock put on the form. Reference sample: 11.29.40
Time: 10.56.46
